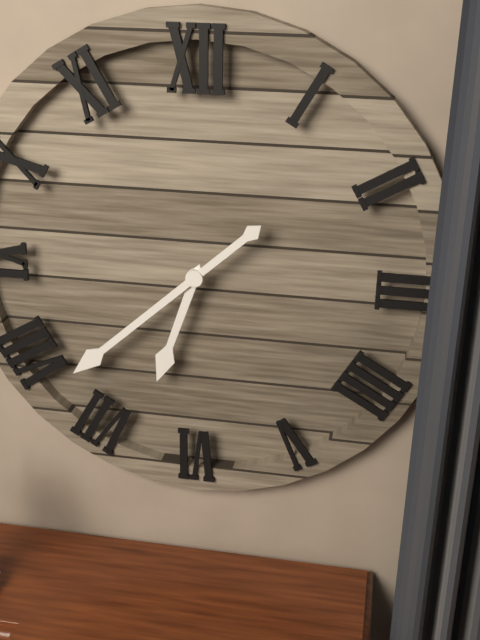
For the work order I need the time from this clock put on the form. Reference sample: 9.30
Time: 6.38
